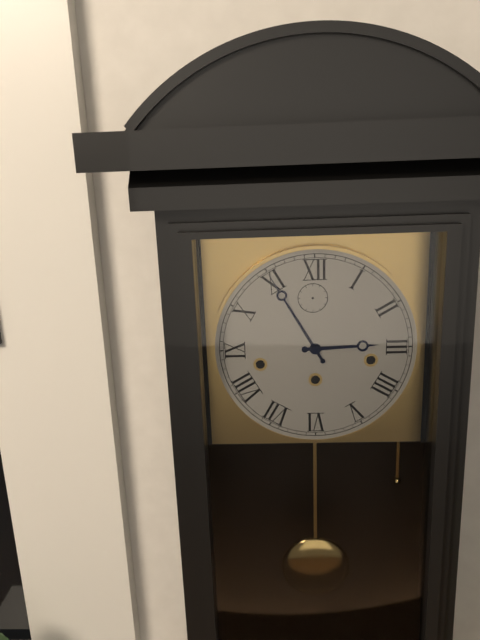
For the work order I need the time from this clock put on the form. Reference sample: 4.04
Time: 2.55
